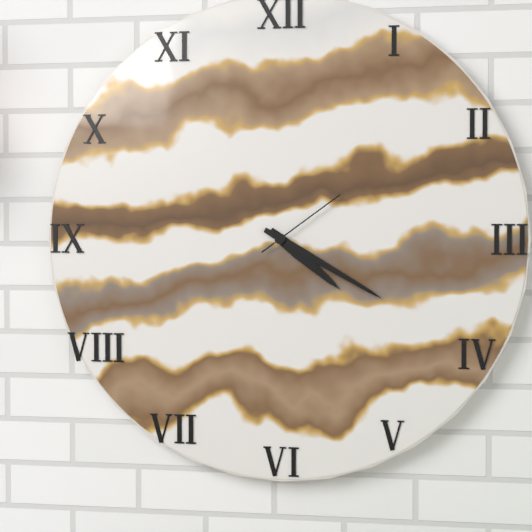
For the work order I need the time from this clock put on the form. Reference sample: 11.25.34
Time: 4.20.09
